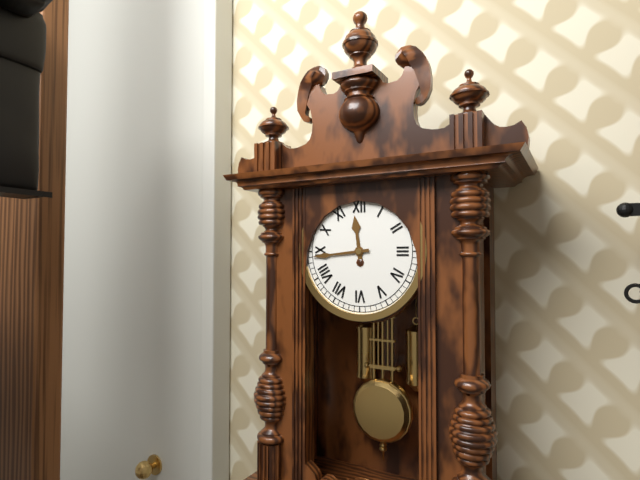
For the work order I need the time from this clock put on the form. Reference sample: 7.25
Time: 11.44
